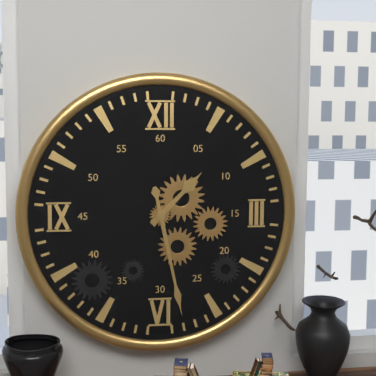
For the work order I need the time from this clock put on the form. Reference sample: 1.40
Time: 1.28
